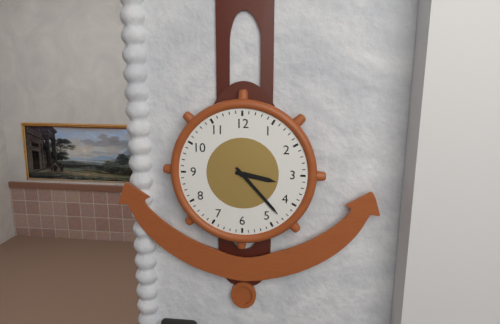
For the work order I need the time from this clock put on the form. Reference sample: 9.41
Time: 3.23
